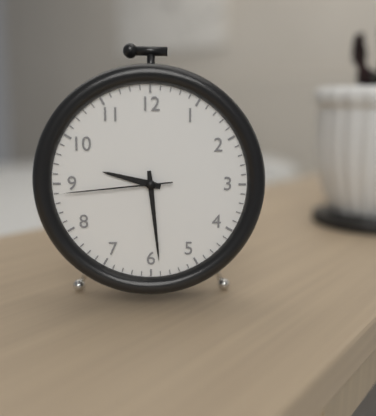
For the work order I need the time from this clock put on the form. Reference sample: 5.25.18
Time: 9.29.44
